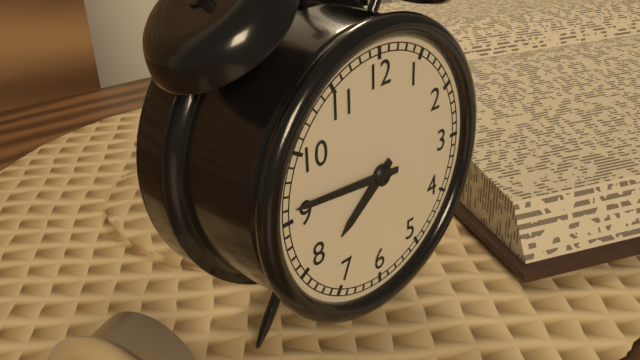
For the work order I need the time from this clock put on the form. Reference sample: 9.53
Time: 7.46
